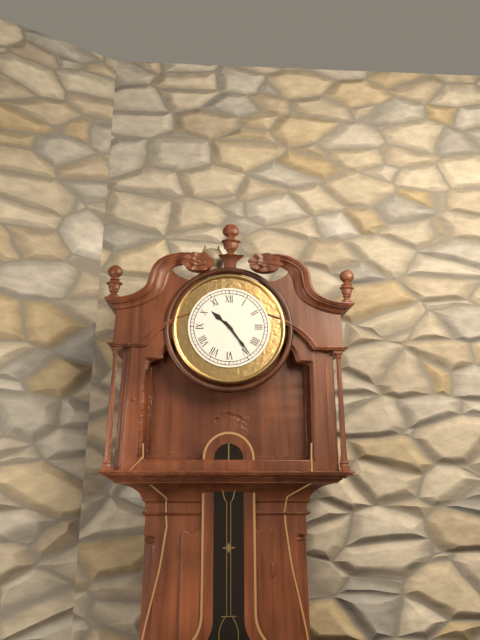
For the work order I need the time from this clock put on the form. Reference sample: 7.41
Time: 10.24
